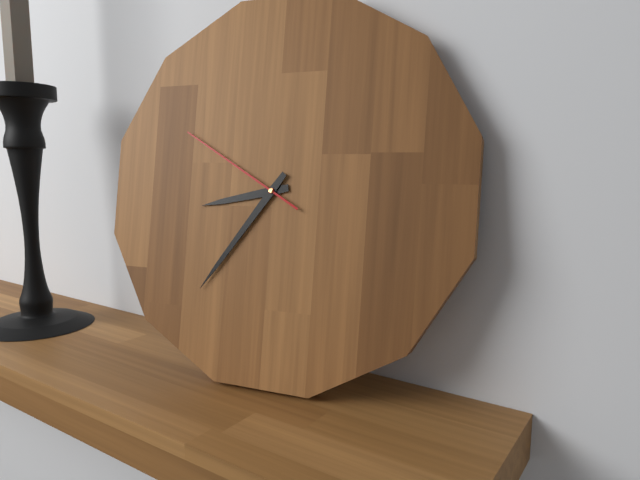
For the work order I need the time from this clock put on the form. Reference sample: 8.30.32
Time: 8.36.50
